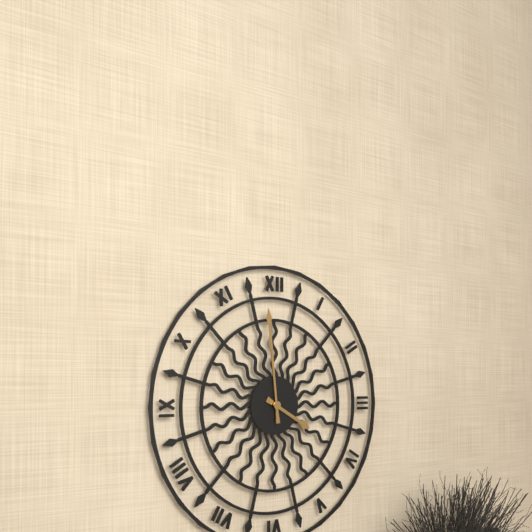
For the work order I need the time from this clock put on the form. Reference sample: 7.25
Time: 3.59
